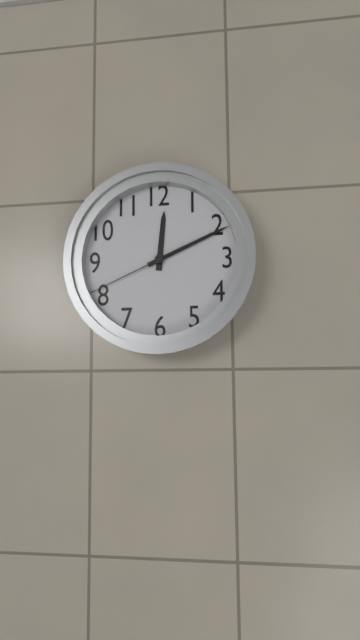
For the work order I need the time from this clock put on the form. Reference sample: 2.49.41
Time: 12.11.41
